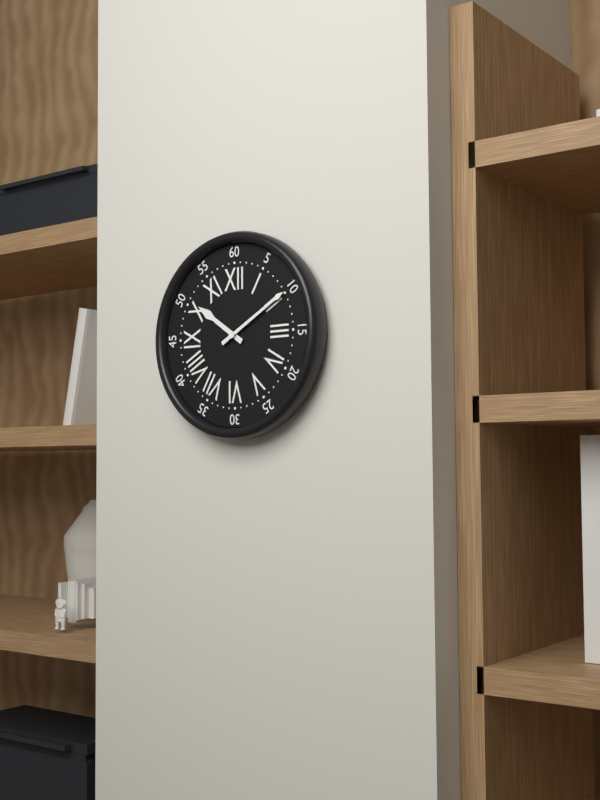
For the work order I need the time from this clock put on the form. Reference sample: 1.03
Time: 10.10
